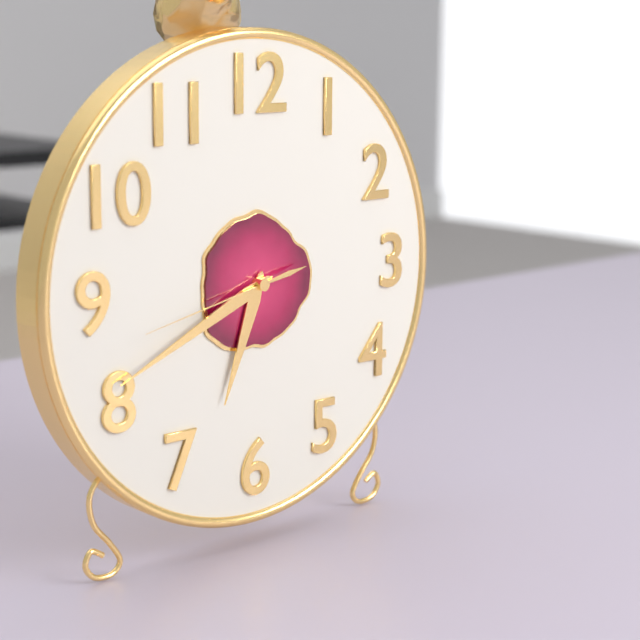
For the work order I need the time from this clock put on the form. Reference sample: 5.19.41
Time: 6.41.43
